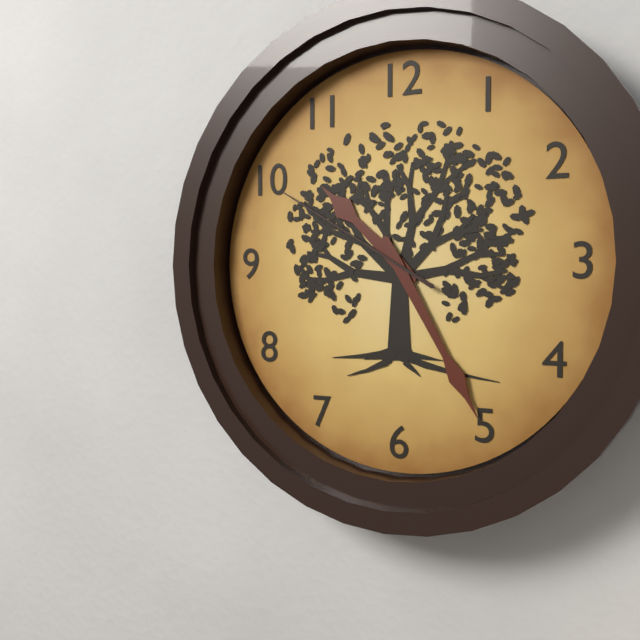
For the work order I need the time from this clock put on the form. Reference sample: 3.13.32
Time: 10.25.50
